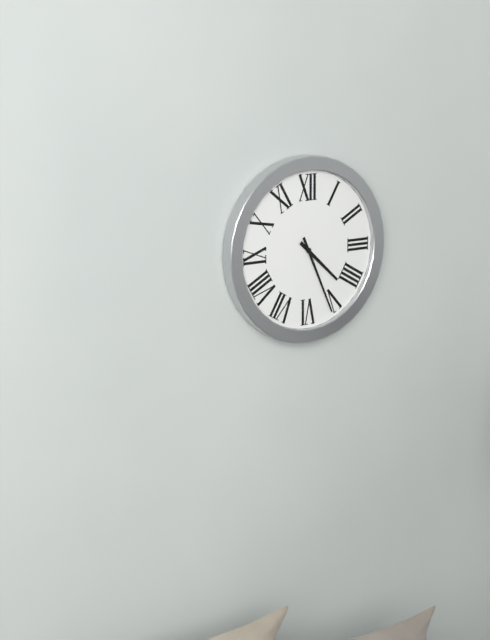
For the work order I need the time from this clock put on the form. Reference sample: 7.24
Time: 4.26
